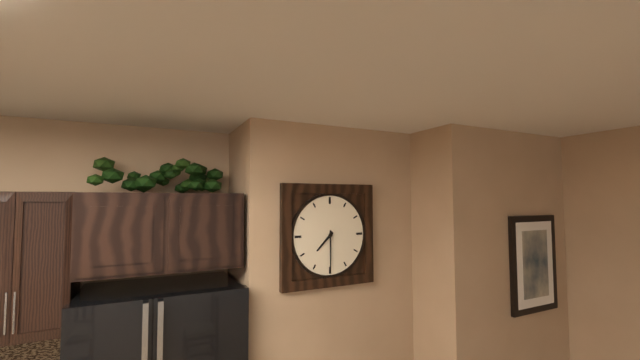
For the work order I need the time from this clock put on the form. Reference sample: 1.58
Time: 7.30
